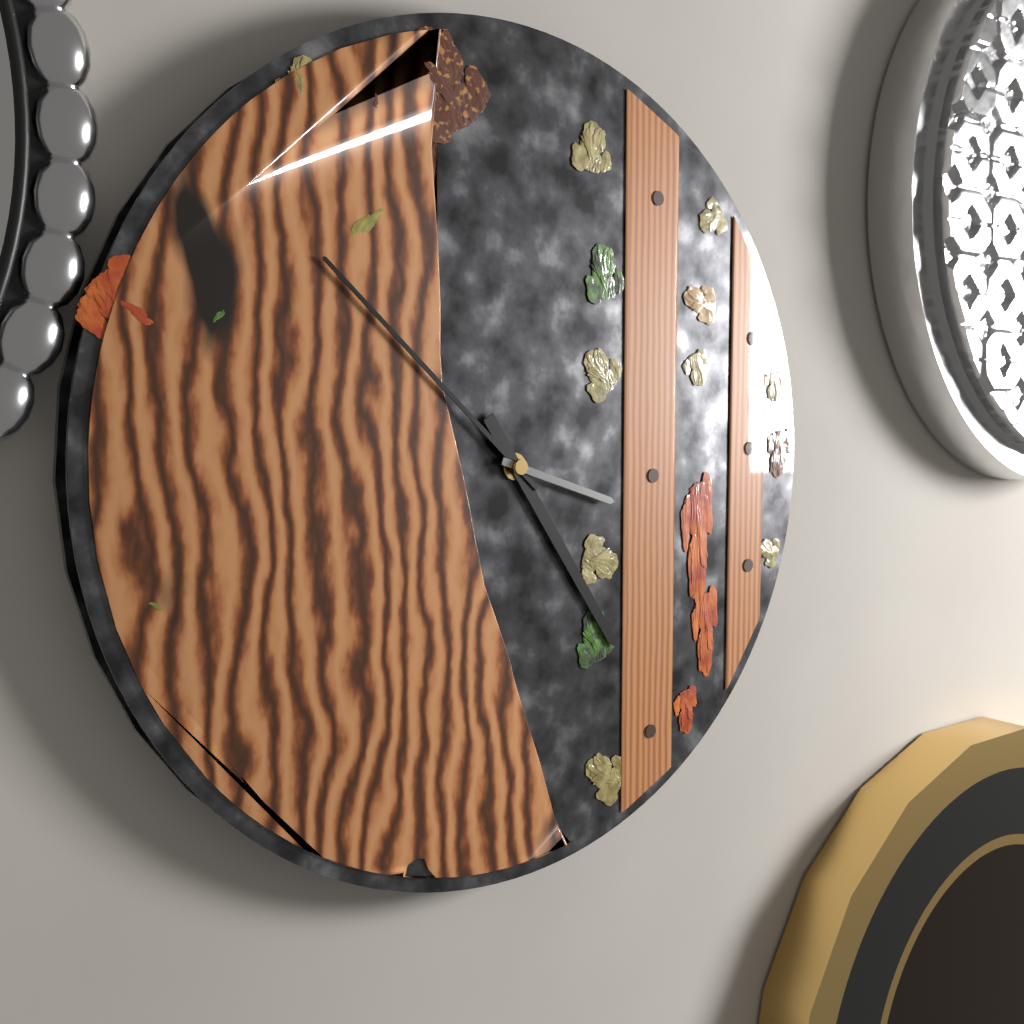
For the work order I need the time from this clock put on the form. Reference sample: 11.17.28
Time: 4.52.18
